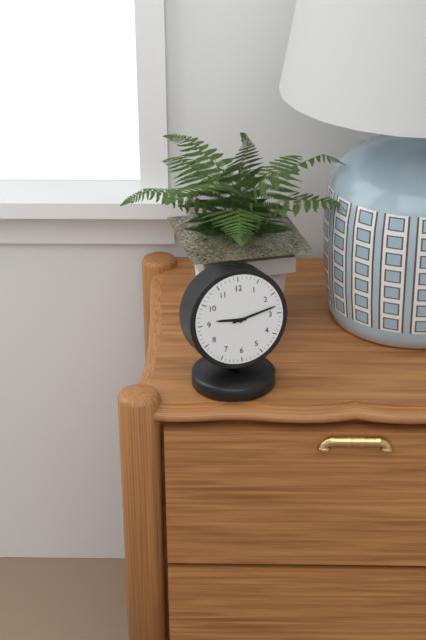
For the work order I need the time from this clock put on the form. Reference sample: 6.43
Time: 9.13
